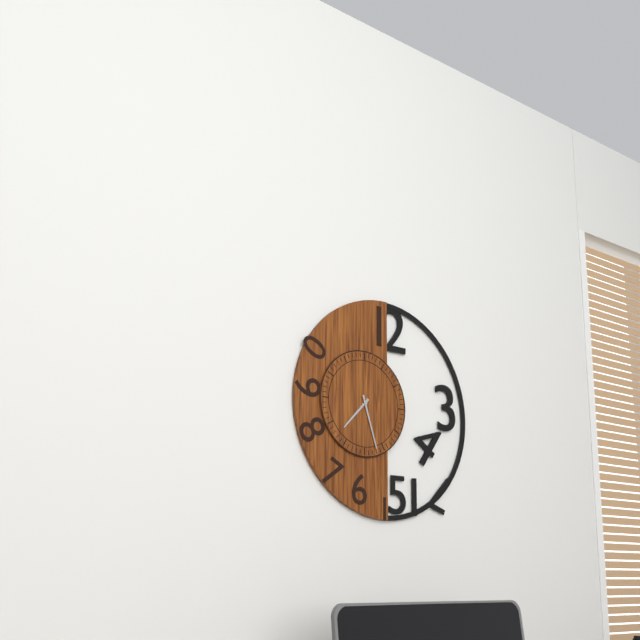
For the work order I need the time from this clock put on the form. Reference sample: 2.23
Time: 7.27
